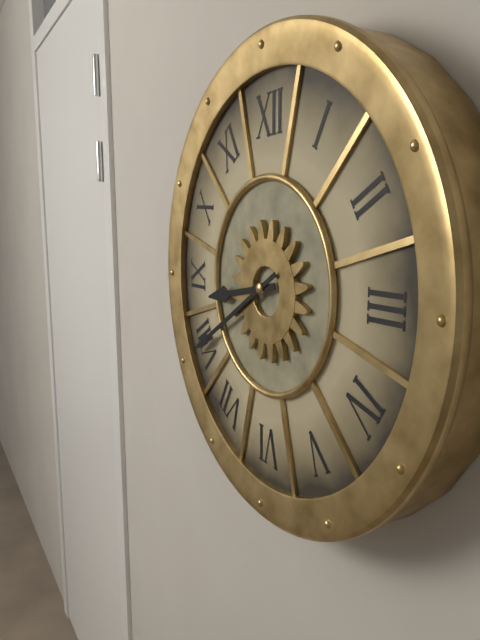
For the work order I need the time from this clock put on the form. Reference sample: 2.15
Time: 8.40
